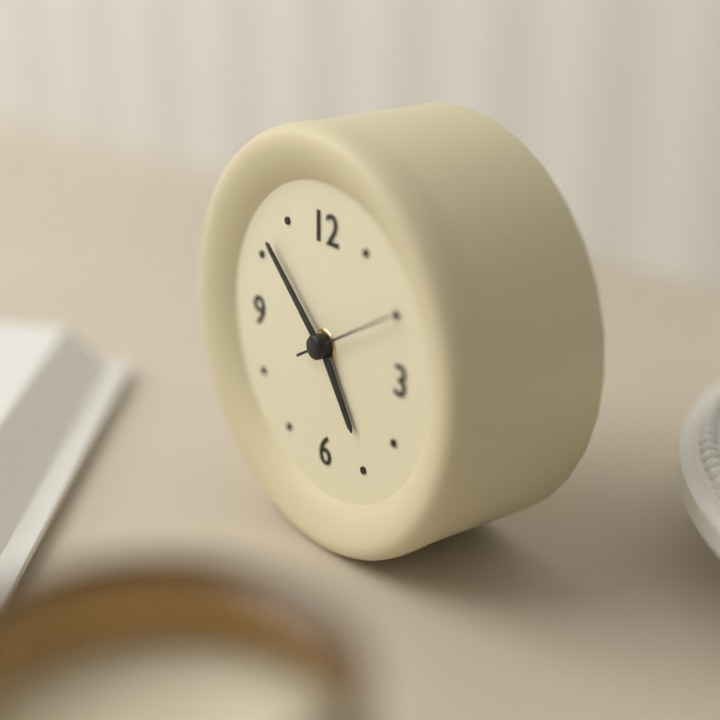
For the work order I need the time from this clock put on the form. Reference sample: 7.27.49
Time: 4.52.10
